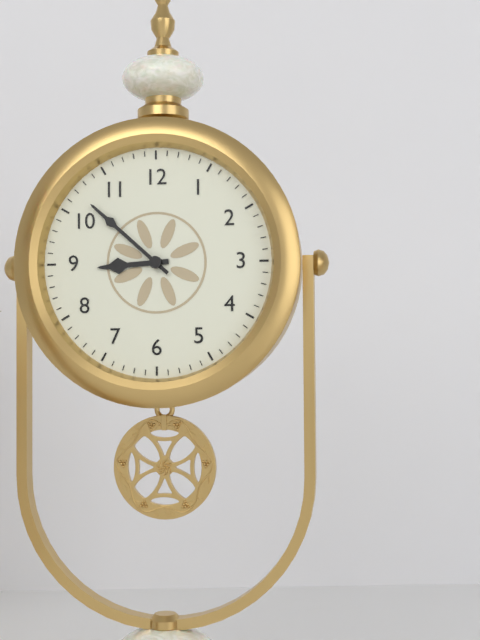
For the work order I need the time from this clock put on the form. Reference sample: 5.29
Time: 8.52
